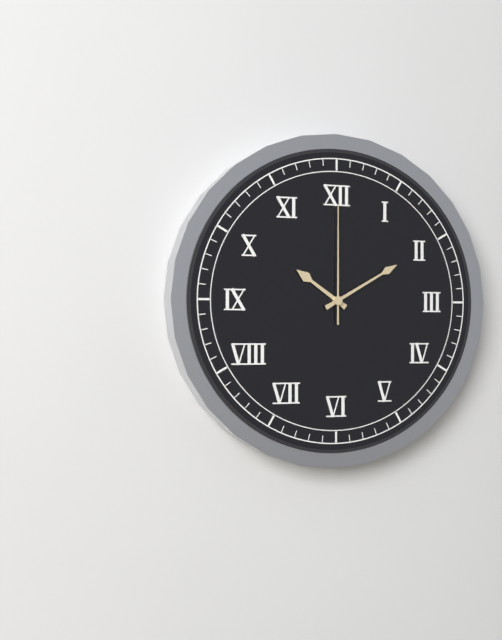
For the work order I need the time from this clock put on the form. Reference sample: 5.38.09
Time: 10.10.00
